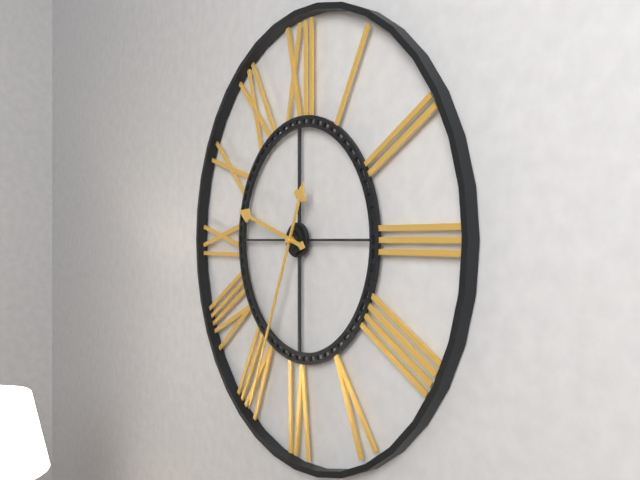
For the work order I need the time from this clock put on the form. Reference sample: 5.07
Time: 9.34
